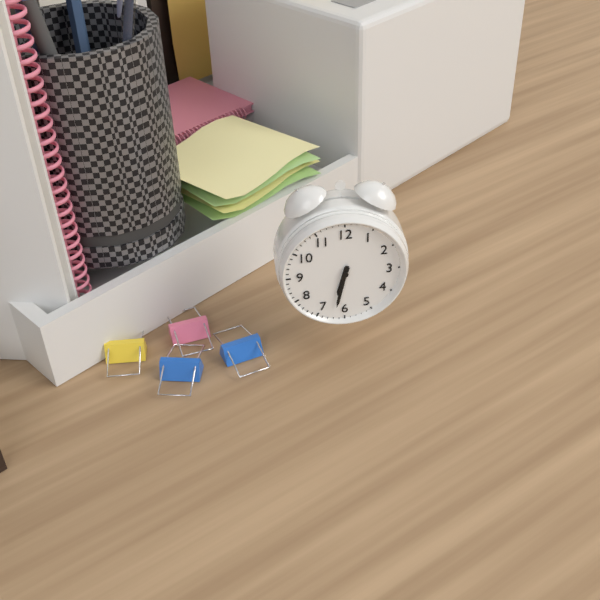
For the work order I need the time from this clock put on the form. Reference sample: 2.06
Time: 6.32
